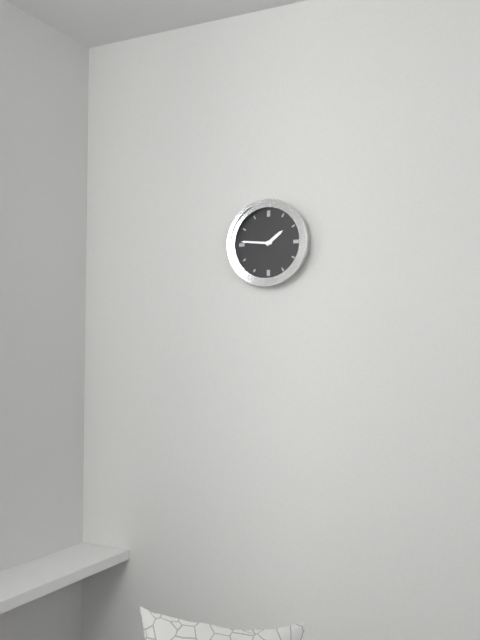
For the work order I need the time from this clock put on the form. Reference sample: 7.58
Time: 1.46
